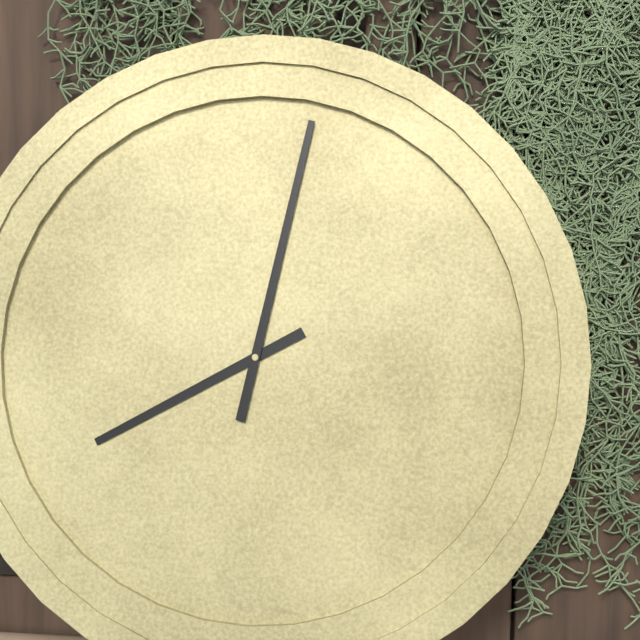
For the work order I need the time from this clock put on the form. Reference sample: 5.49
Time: 8.02
